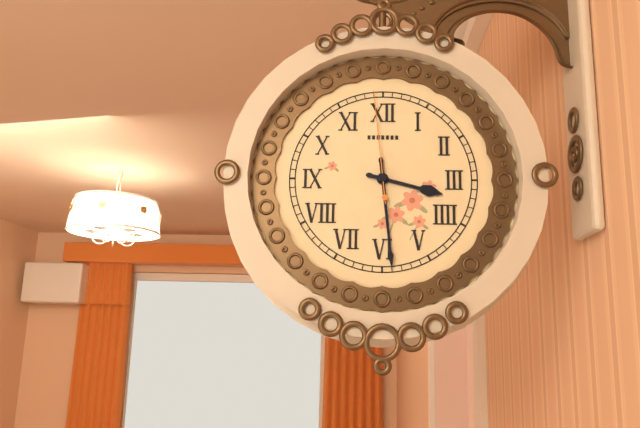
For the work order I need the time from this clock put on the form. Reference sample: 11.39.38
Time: 3.29.59
